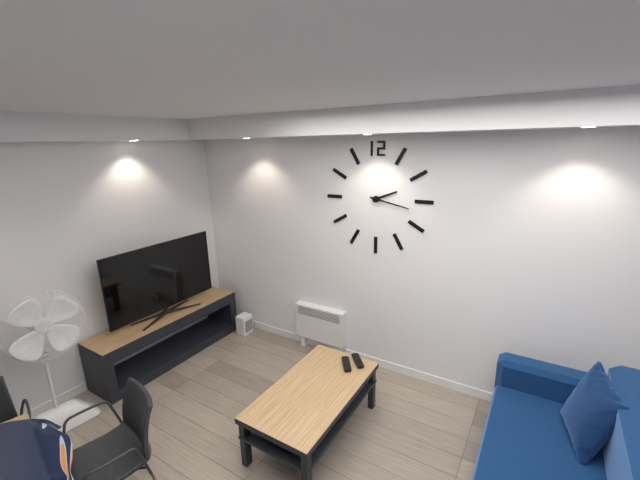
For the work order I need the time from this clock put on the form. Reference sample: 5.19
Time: 2.17
